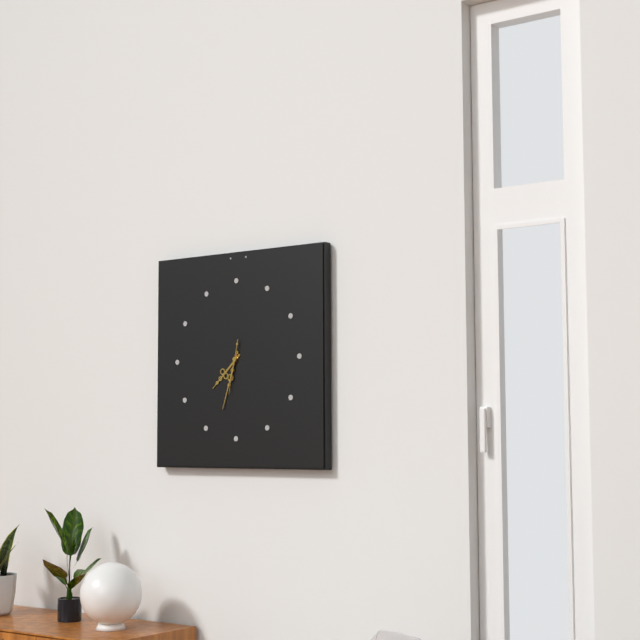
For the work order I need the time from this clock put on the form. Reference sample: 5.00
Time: 7.33
